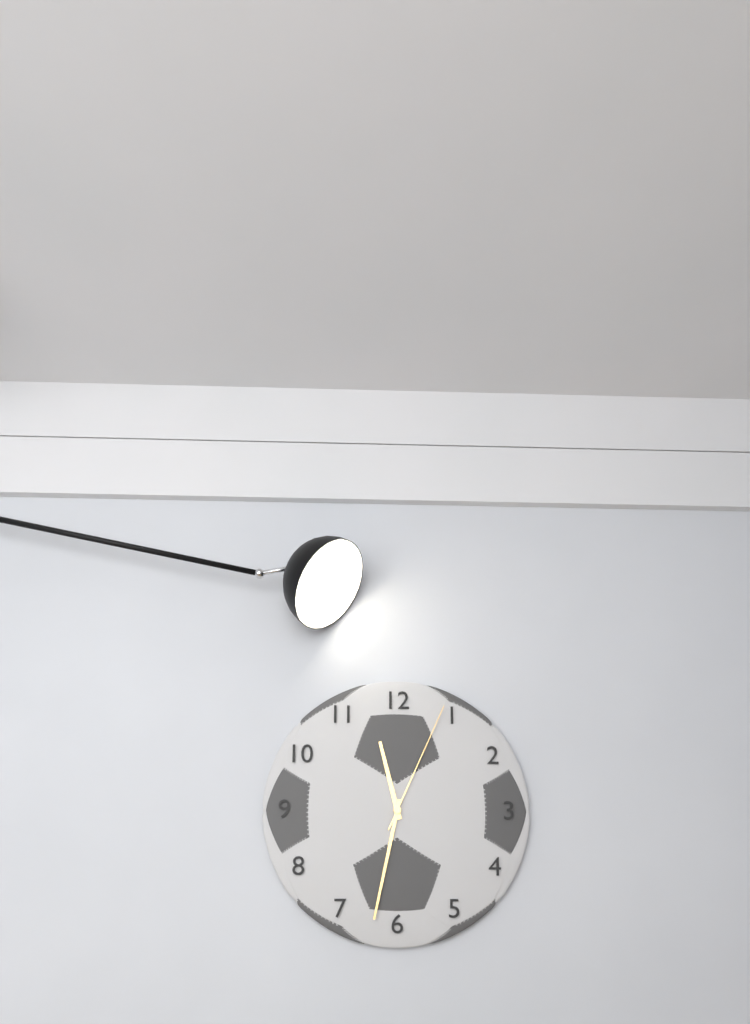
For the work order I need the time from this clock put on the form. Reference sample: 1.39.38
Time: 11.32.04
